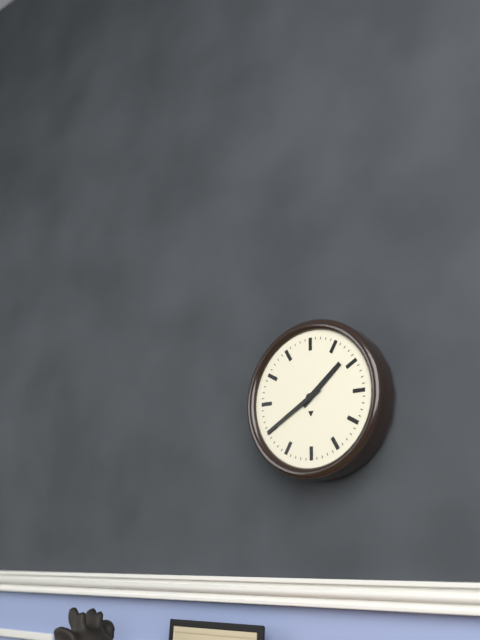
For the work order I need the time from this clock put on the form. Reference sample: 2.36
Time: 1.40
